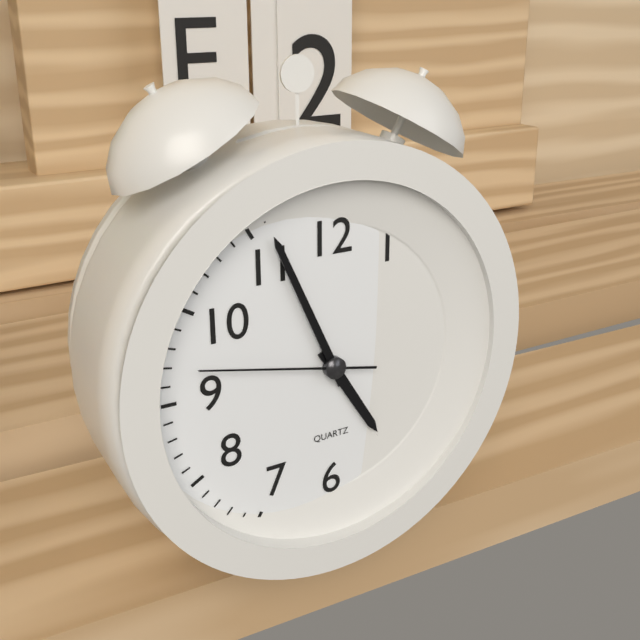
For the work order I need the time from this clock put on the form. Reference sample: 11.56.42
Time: 4.56.47
